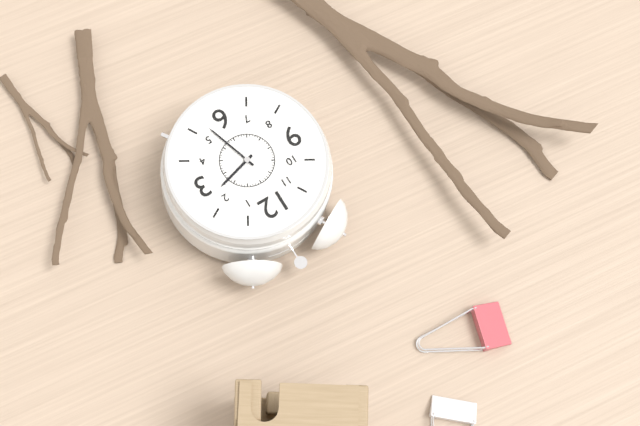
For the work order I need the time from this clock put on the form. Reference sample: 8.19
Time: 2.27
